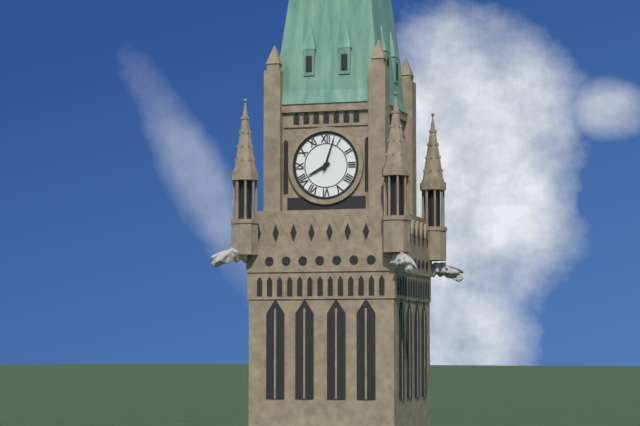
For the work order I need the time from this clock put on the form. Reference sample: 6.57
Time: 8.03
